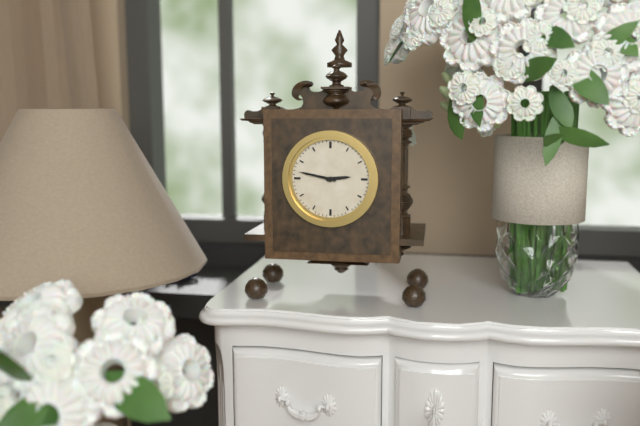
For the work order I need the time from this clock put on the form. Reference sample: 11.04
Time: 2.47
